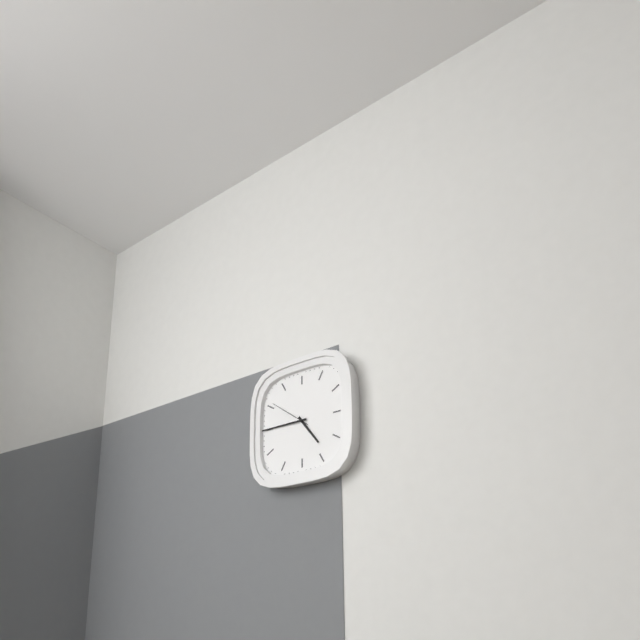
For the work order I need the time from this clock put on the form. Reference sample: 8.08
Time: 4.45
